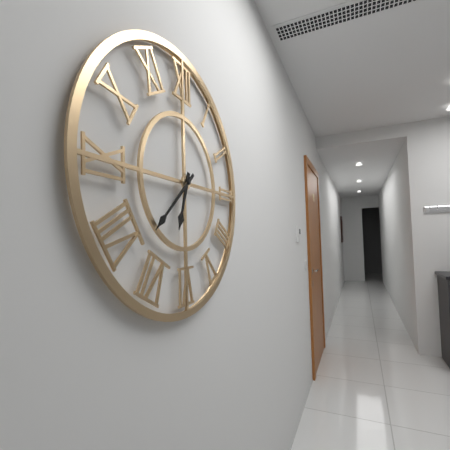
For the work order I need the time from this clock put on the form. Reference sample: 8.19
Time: 6.38
